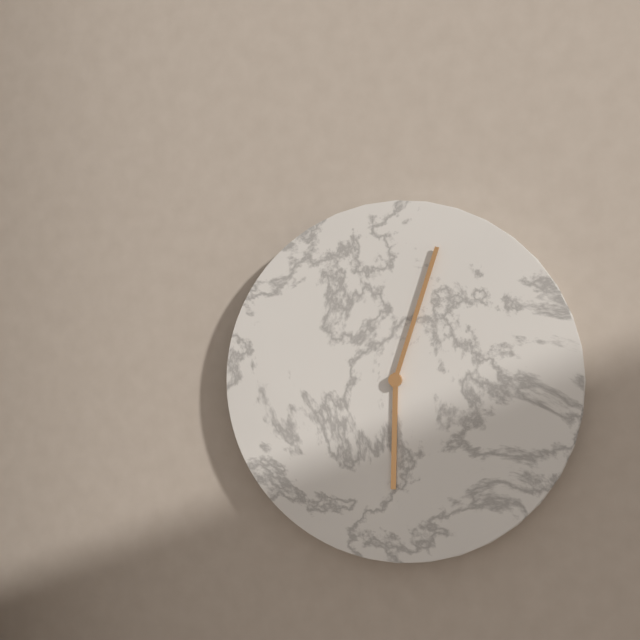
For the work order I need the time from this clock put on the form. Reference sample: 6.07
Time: 6.03
